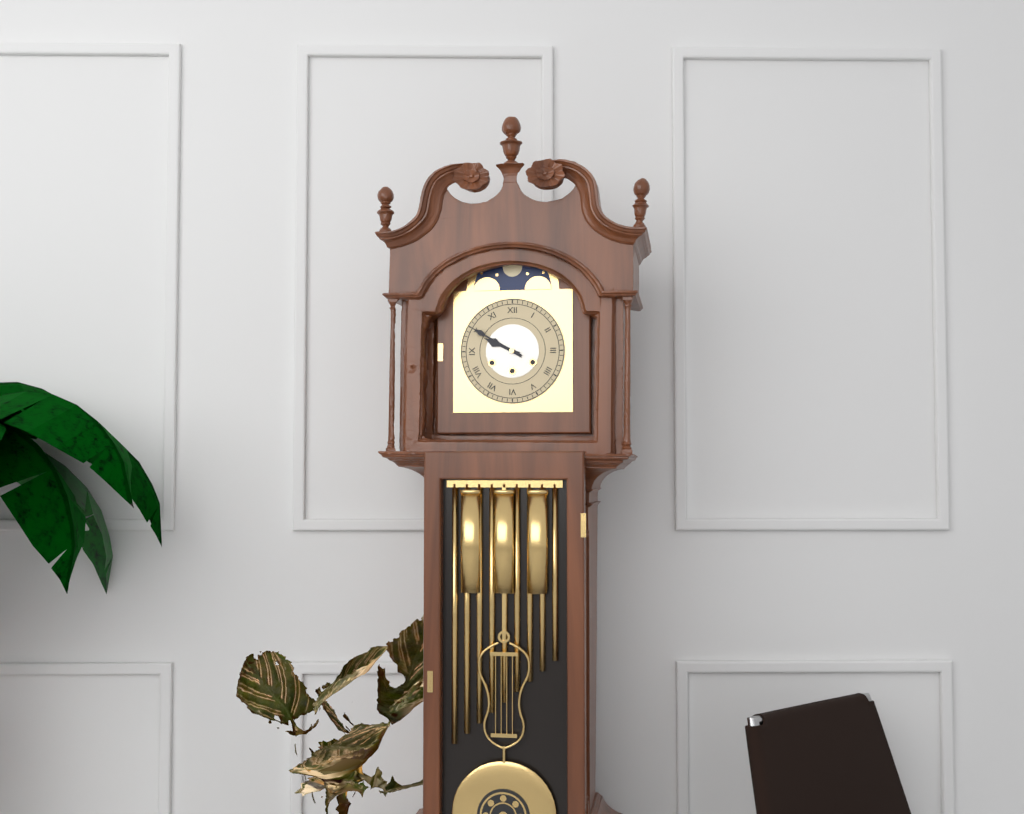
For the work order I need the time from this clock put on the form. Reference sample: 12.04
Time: 9.50
